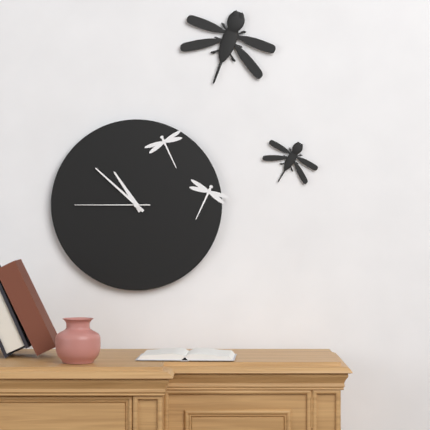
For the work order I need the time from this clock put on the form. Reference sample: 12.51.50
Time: 10.52.45
